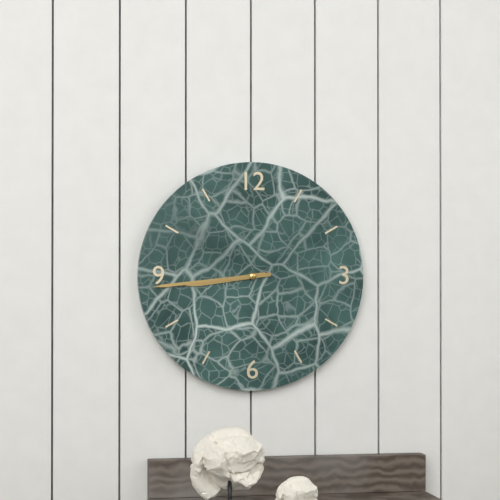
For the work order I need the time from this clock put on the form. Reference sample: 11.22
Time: 8.44
